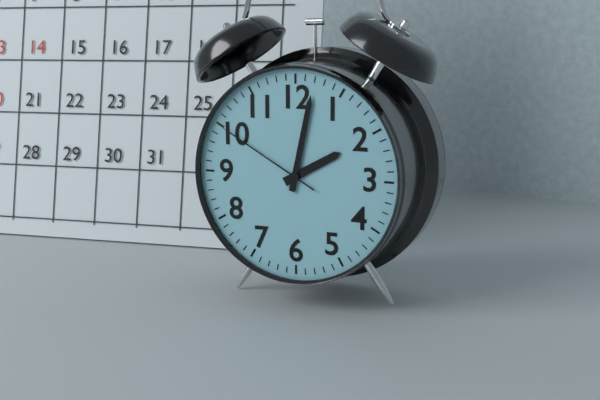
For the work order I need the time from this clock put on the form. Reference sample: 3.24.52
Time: 2.02.50
